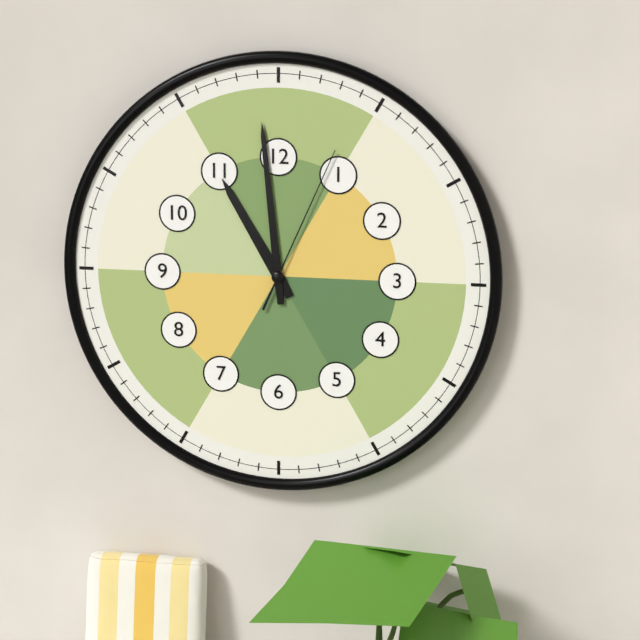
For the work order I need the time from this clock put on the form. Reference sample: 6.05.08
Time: 10.59.04
